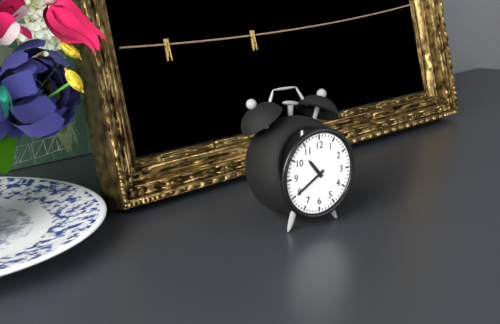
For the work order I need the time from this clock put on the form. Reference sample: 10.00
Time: 10.40
